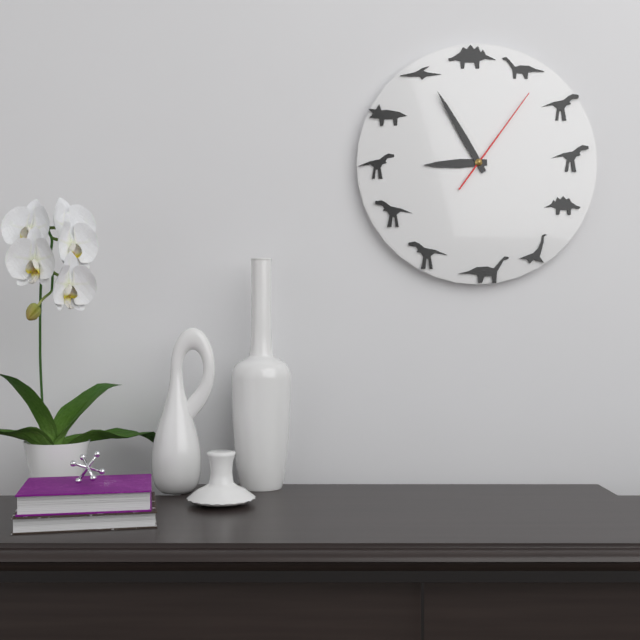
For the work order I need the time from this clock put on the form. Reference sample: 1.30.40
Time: 8.55.06
